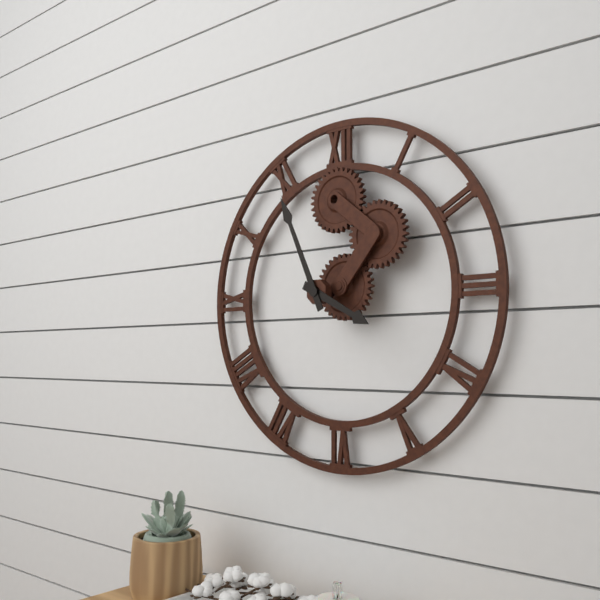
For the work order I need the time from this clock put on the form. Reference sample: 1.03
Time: 3.56
